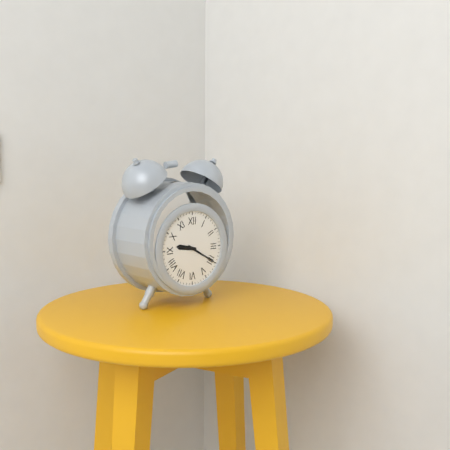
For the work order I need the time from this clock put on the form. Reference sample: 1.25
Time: 9.20
